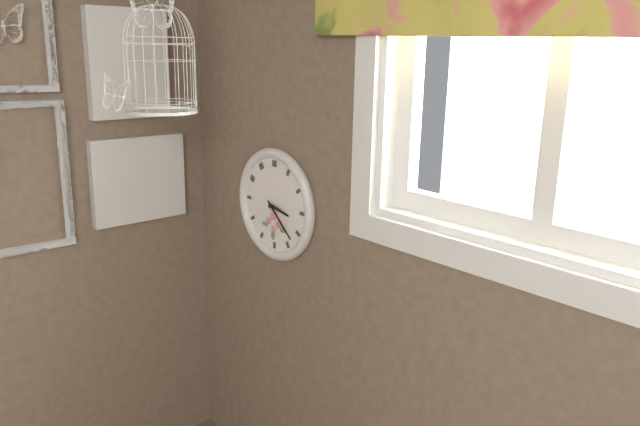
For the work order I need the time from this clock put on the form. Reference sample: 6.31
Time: 3.22
